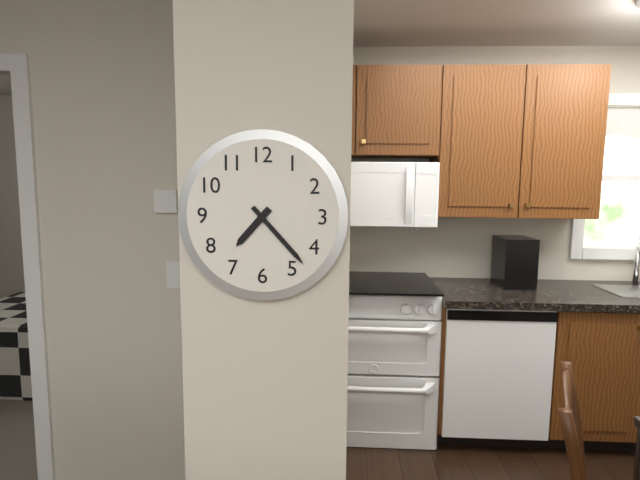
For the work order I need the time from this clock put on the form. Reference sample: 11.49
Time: 7.23
